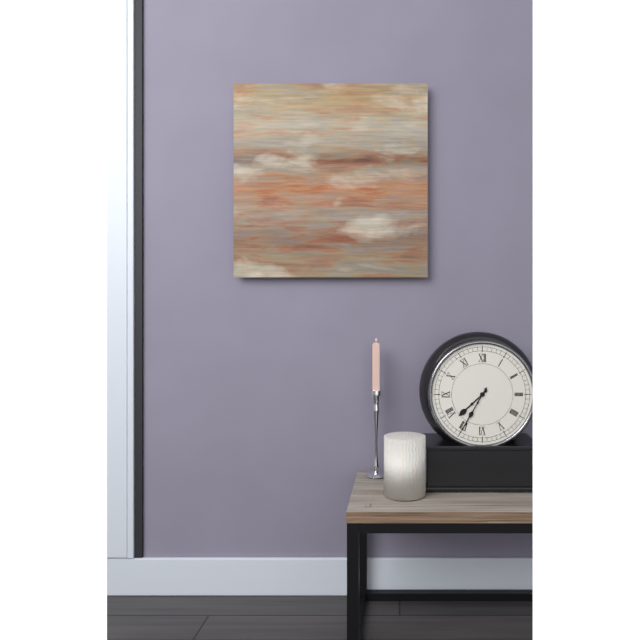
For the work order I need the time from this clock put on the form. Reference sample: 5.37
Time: 7.35
